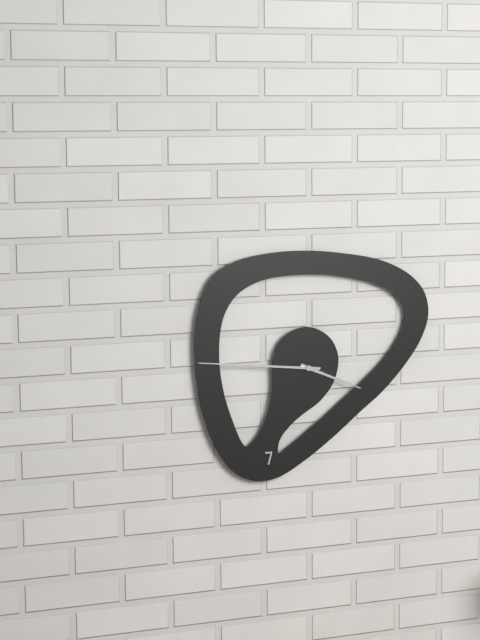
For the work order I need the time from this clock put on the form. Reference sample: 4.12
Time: 3.46
